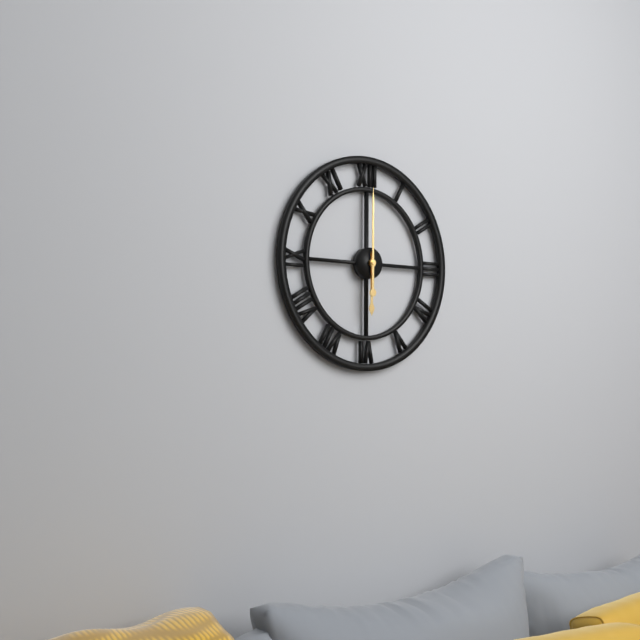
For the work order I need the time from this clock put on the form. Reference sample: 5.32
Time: 6.00
